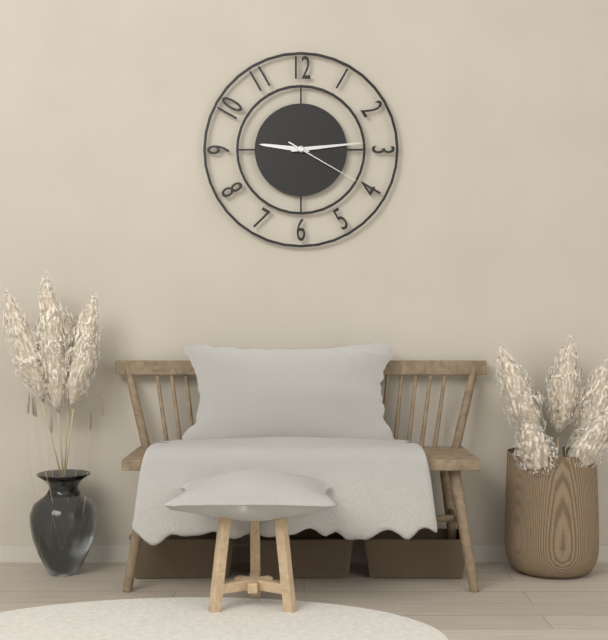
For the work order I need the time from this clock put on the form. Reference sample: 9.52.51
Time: 9.14.20
